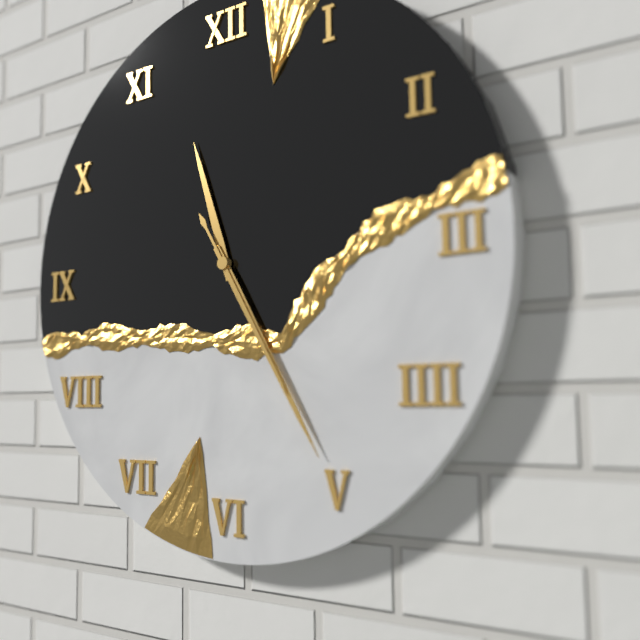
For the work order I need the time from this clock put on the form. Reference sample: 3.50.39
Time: 11.25.25
